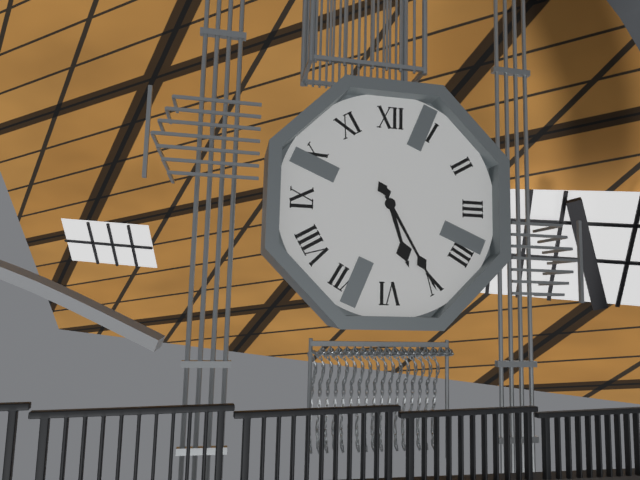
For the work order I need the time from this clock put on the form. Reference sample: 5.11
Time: 5.25
